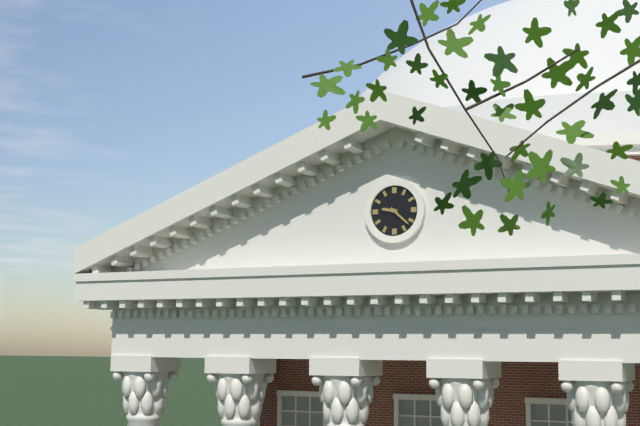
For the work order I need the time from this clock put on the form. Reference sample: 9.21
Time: 9.22
